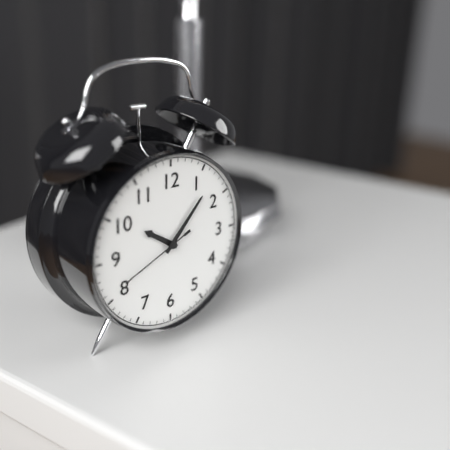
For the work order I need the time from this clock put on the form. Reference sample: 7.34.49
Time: 10.07.41
